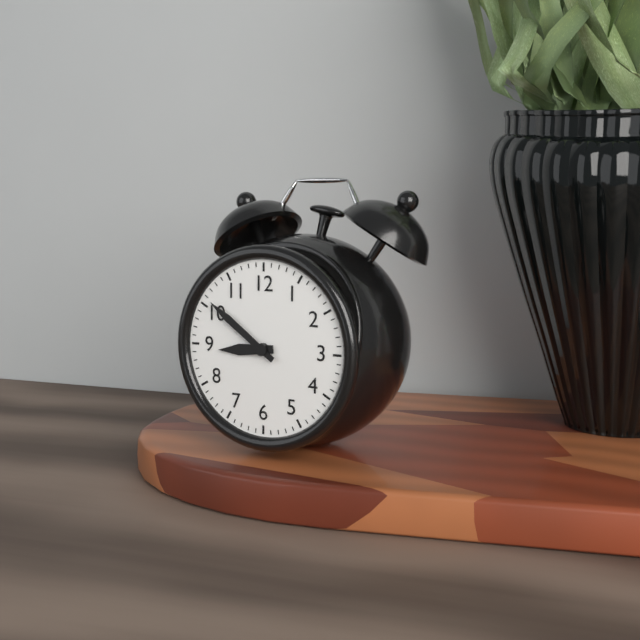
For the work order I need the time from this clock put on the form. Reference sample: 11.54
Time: 8.51
